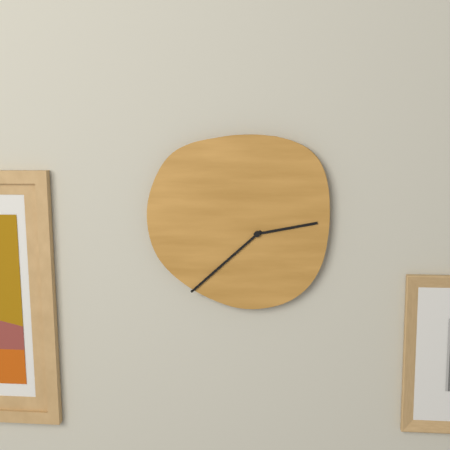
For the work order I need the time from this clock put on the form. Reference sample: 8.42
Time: 2.38
